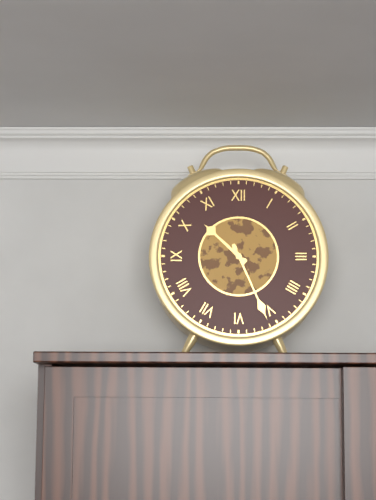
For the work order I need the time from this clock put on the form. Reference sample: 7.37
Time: 10.26
